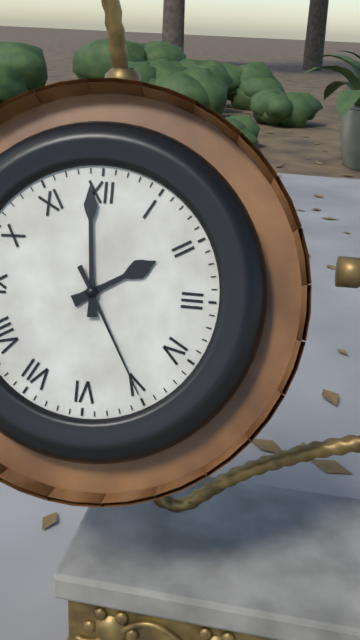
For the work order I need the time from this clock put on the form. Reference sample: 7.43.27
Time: 1.59.25
